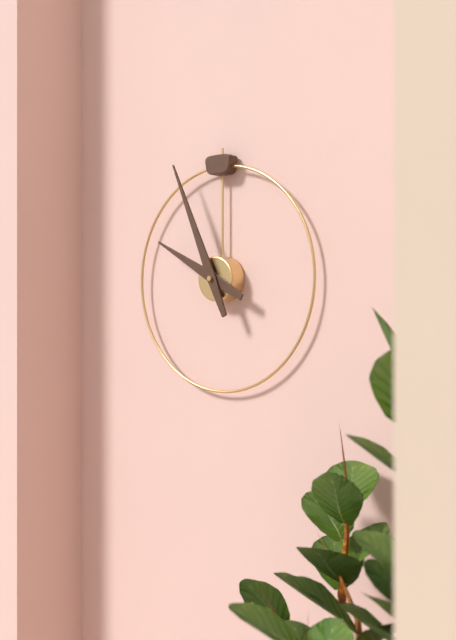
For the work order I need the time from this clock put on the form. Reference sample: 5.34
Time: 9.56
